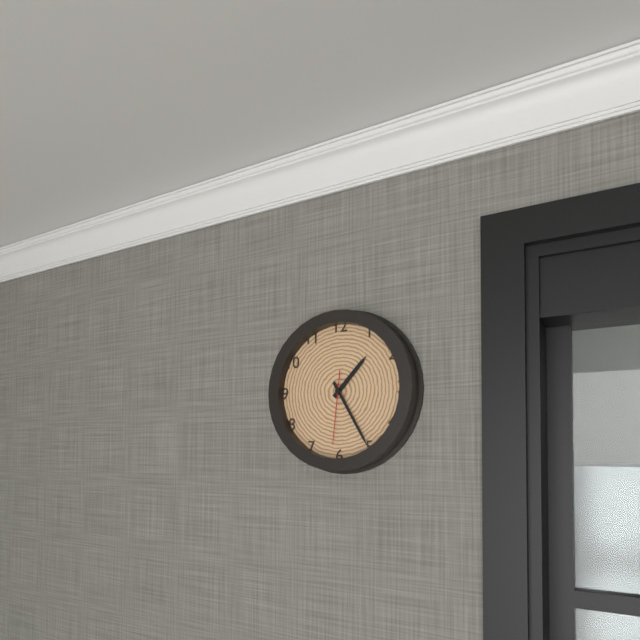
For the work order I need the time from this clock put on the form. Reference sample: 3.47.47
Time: 1.25.31
